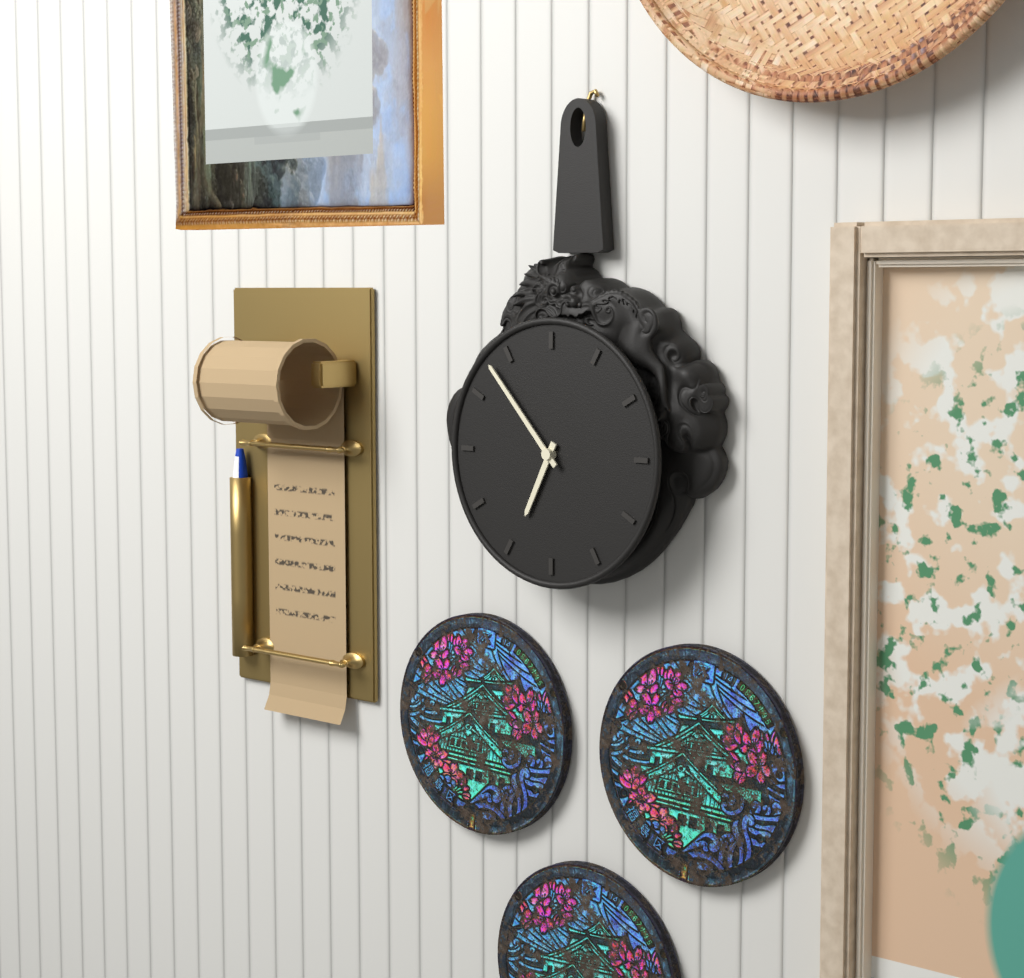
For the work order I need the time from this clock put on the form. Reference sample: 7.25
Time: 6.53
